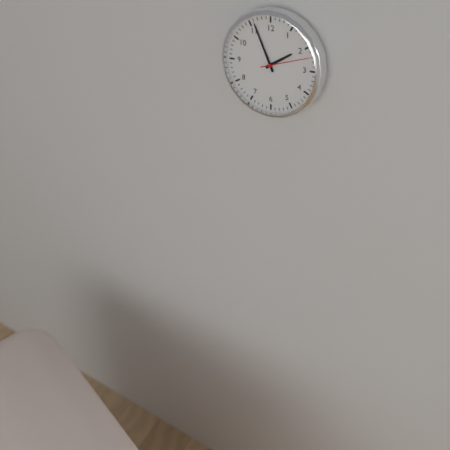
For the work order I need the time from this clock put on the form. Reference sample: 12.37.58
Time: 1.56.12
